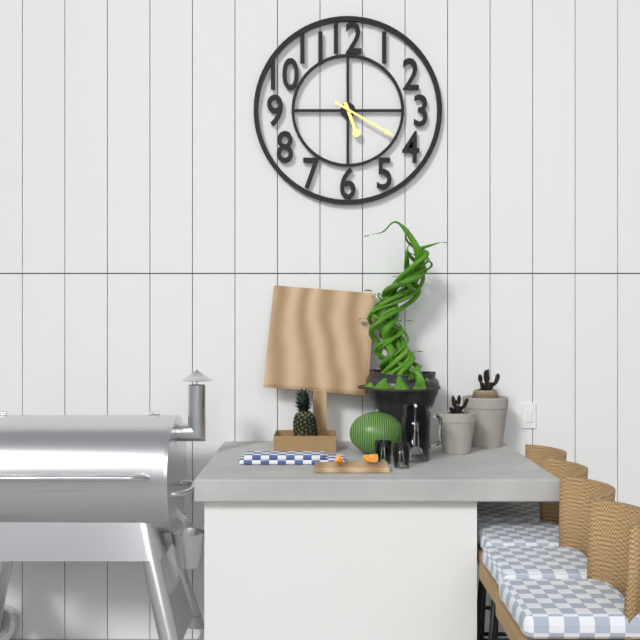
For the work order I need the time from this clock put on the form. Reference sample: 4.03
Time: 5.20
